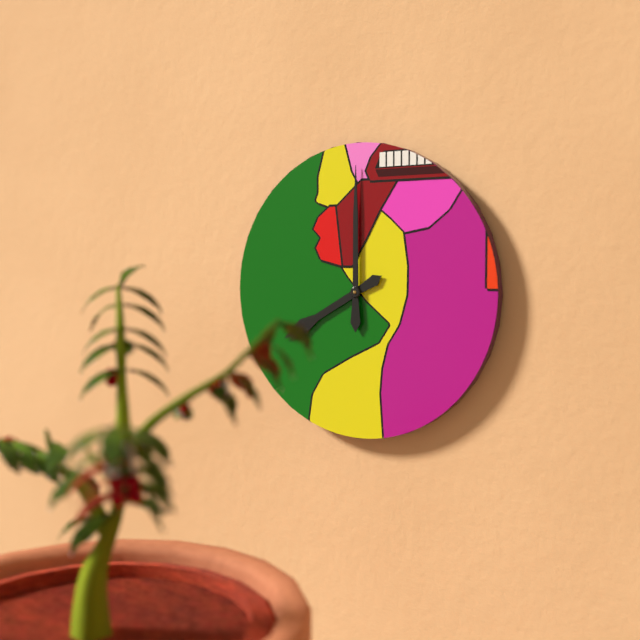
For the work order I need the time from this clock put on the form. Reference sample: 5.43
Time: 8.00
